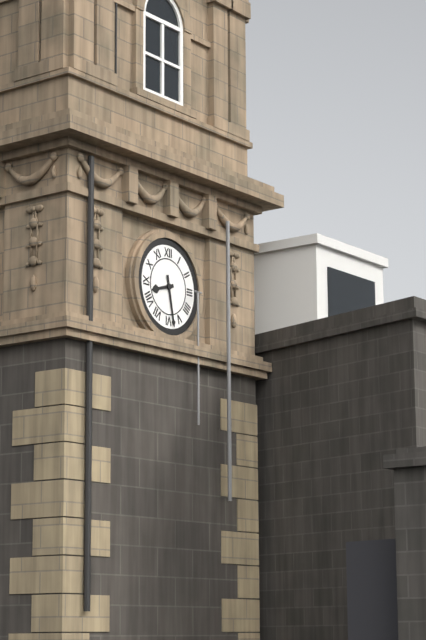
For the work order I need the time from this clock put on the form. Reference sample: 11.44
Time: 8.28
